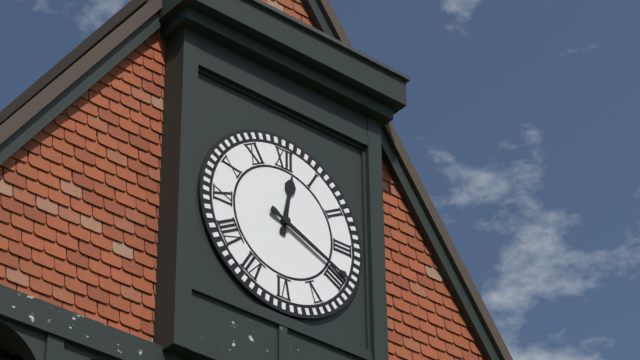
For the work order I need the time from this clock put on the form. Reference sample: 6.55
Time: 12.19
